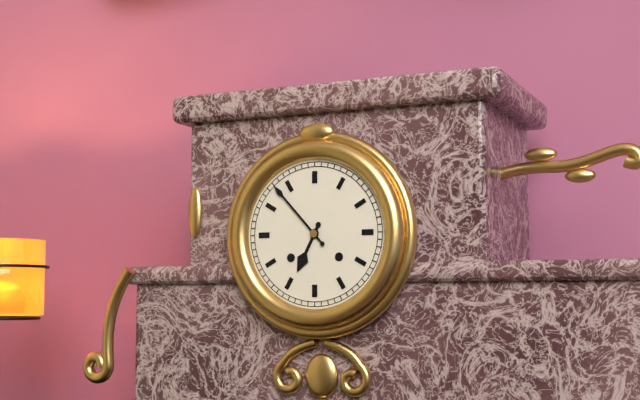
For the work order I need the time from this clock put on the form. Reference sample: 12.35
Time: 6.53
